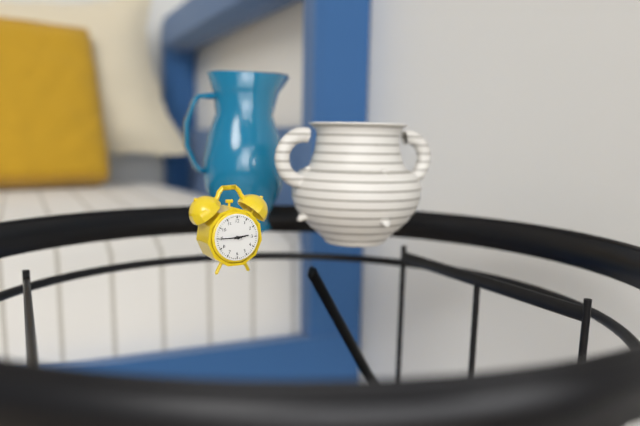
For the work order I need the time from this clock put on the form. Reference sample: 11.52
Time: 2.45
